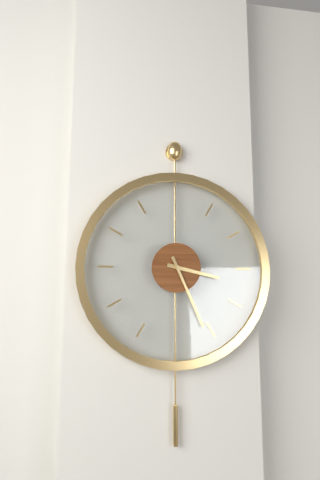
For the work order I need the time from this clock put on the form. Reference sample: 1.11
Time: 3.26
